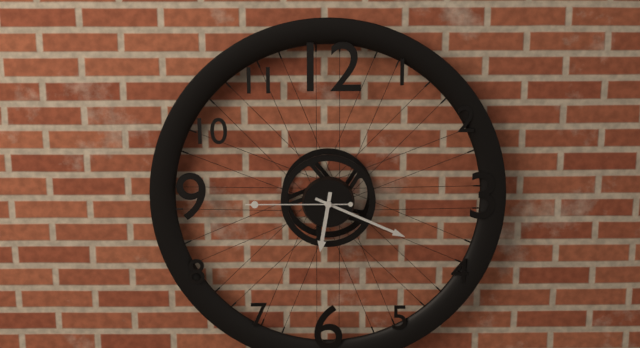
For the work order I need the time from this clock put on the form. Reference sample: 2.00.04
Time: 6.19.45
